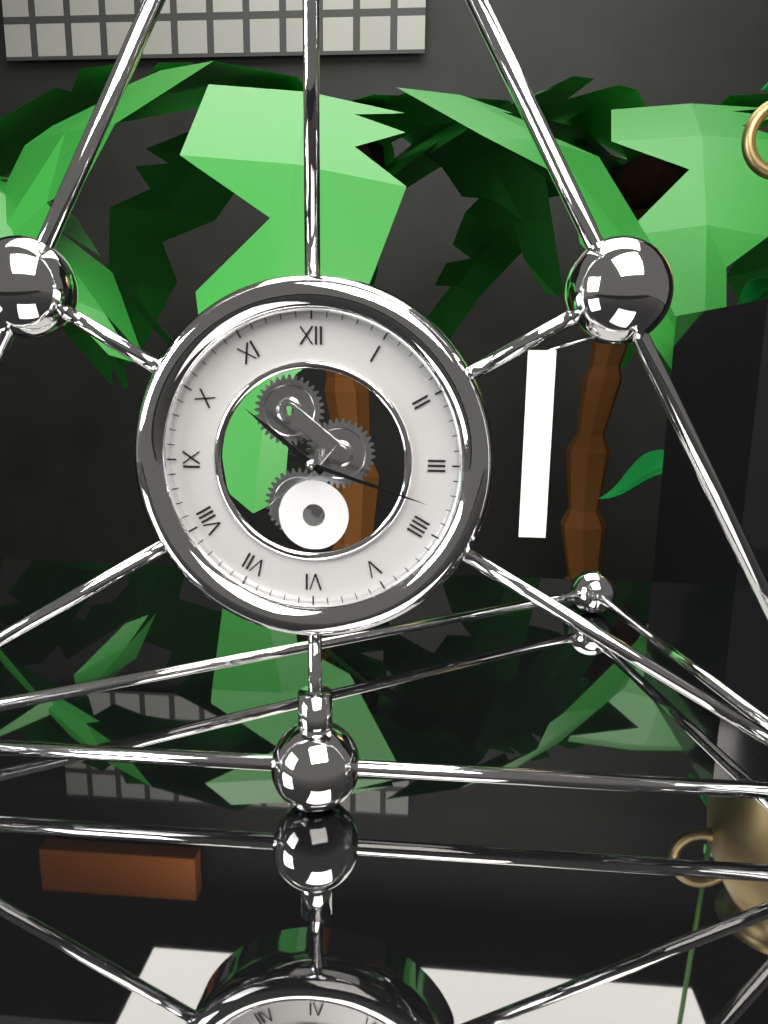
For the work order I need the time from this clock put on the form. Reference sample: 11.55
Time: 10.18
